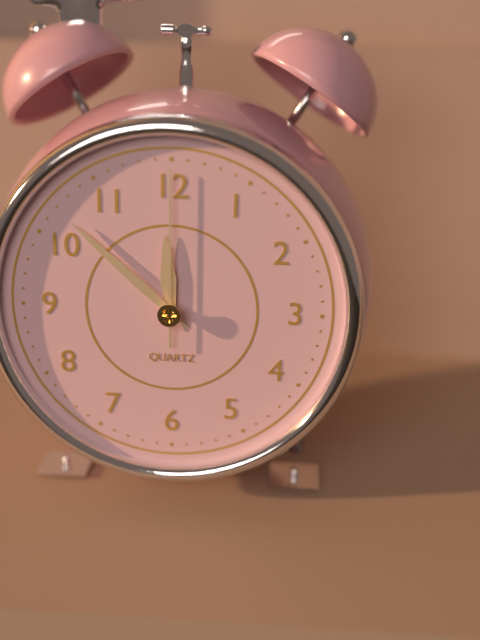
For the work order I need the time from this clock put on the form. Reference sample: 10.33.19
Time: 11.52.00
